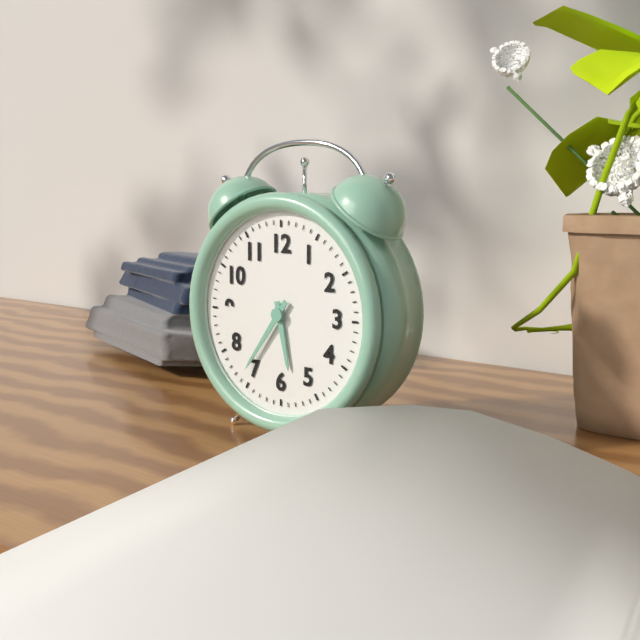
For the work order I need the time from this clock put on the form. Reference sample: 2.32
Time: 5.36
